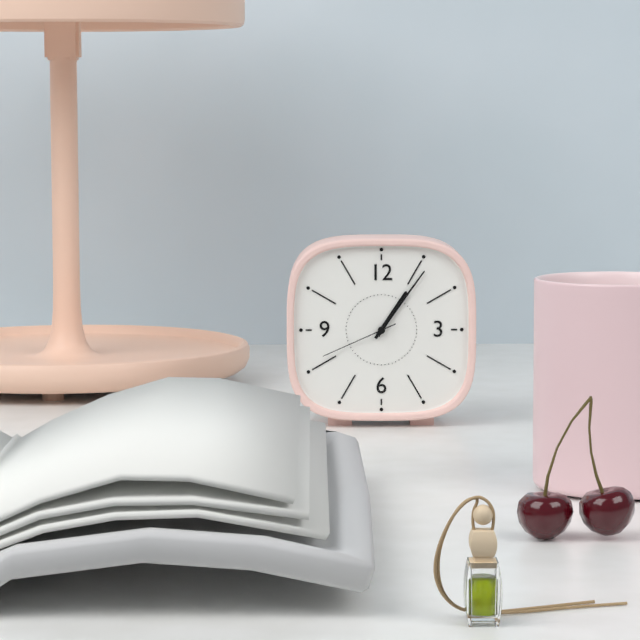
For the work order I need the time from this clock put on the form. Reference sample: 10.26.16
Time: 1.06.41
